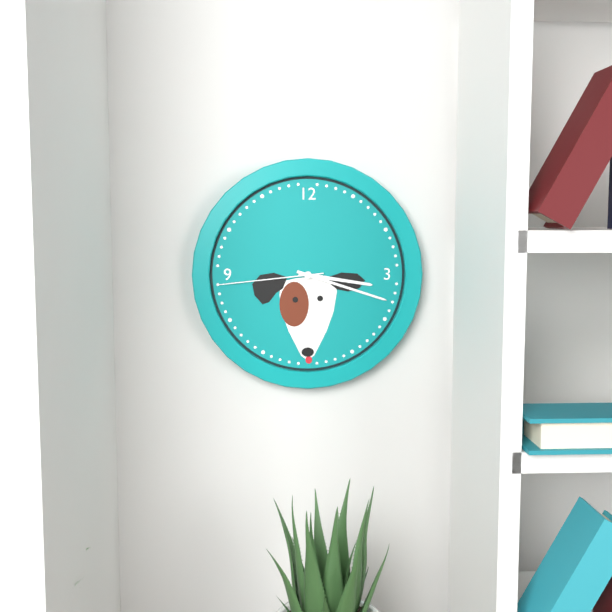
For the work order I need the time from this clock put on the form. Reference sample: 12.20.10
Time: 3.18.44
